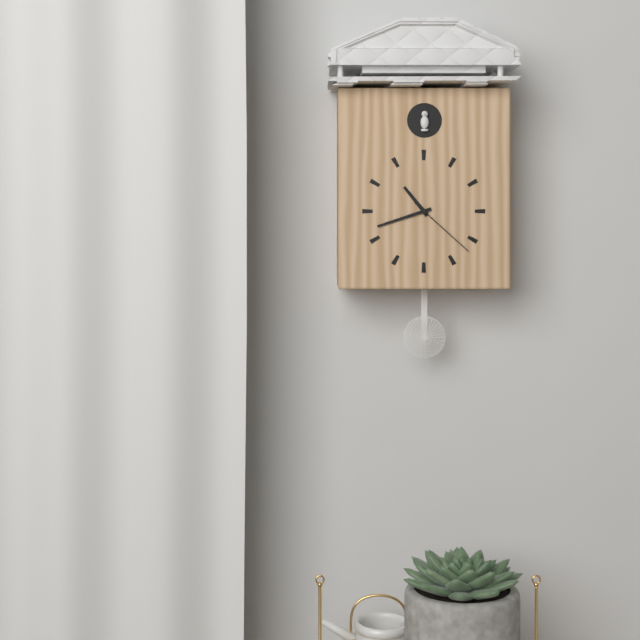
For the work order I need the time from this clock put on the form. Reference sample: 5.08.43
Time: 10.42.22
